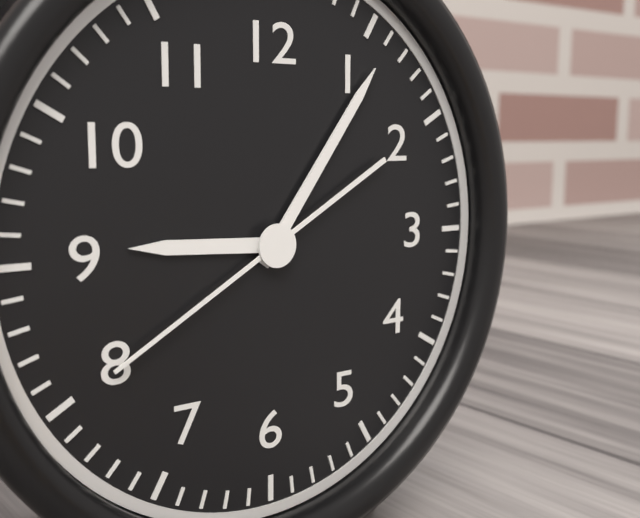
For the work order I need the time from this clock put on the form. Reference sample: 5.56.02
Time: 9.06.40
